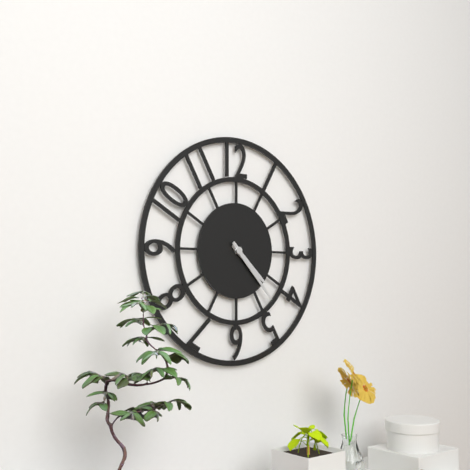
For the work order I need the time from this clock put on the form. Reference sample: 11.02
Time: 4.23
